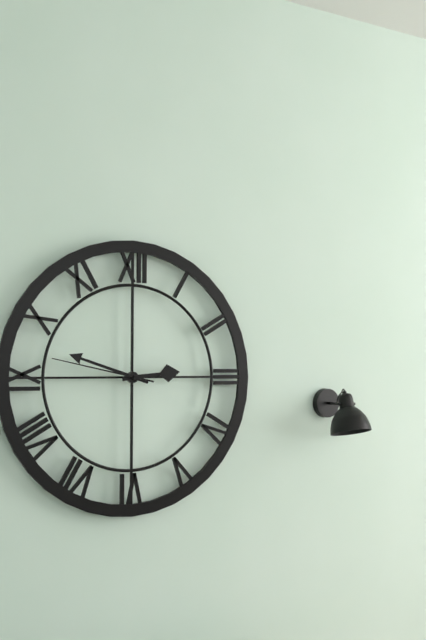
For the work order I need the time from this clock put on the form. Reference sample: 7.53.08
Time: 2.48.47
